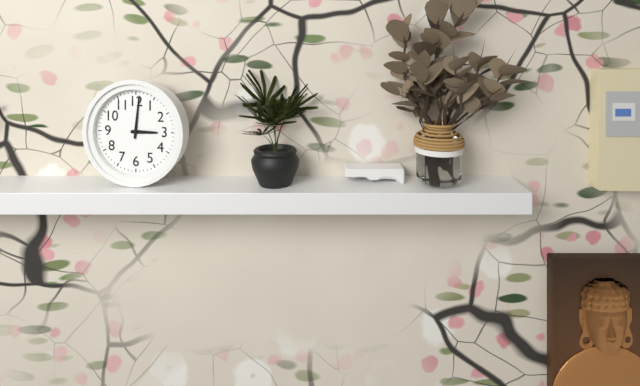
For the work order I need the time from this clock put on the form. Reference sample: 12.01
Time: 3.01
